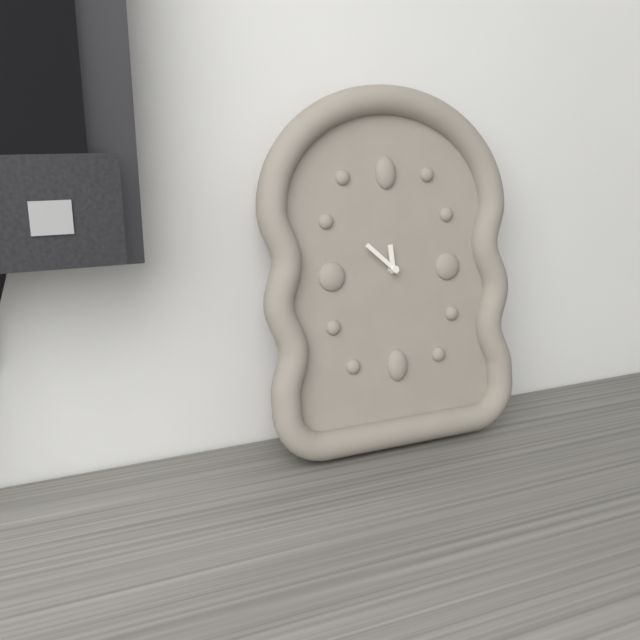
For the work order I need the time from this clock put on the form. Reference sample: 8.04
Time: 11.52
